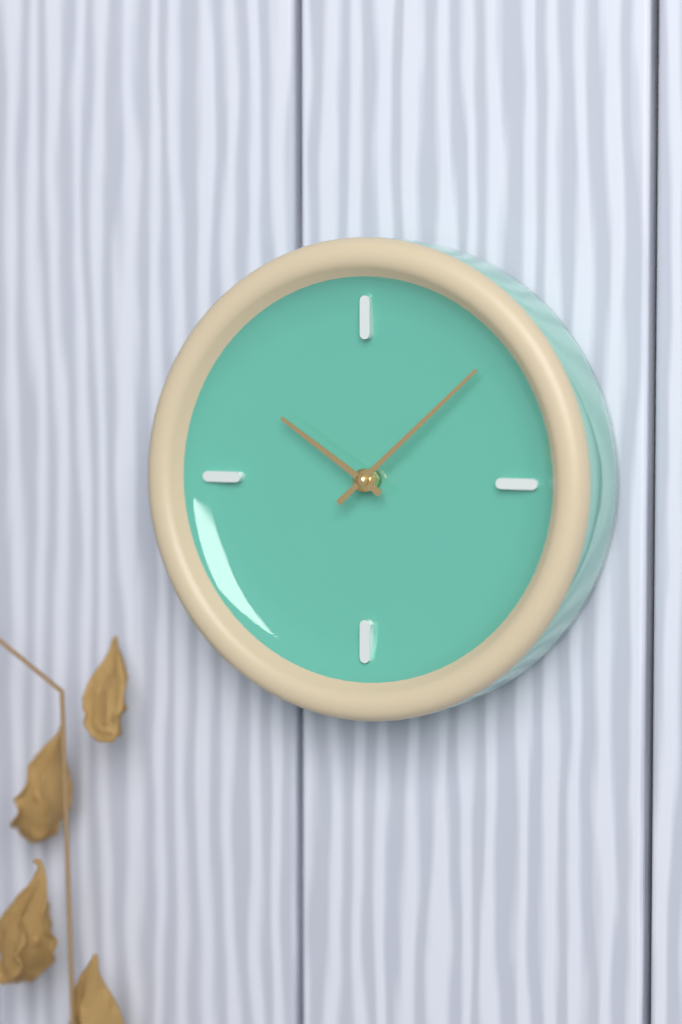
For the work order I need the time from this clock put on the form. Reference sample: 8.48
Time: 10.08
